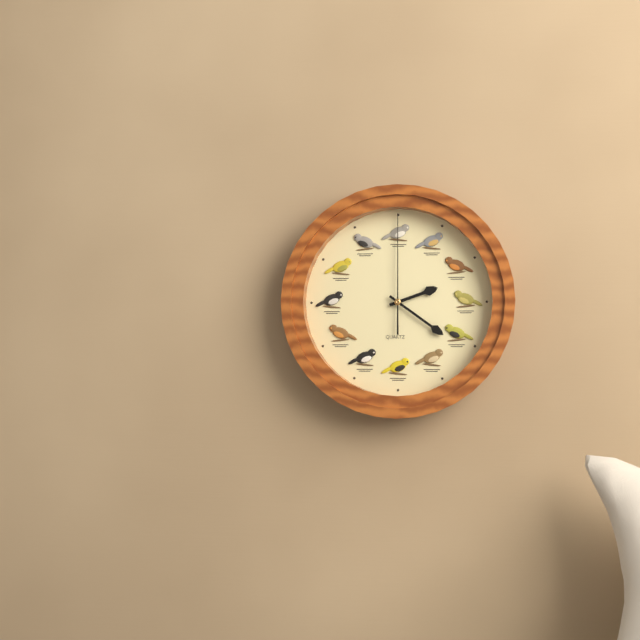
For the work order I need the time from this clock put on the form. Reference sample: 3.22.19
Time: 2.21.00
